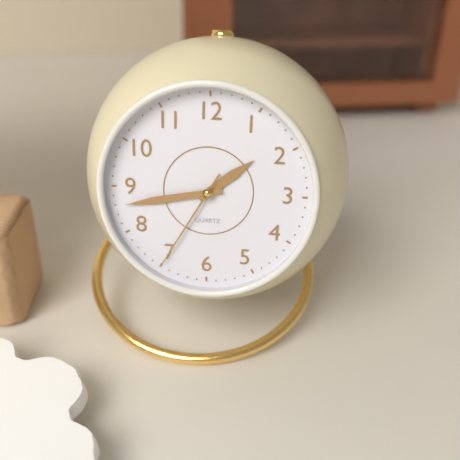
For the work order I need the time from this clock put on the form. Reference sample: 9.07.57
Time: 1.43.35
